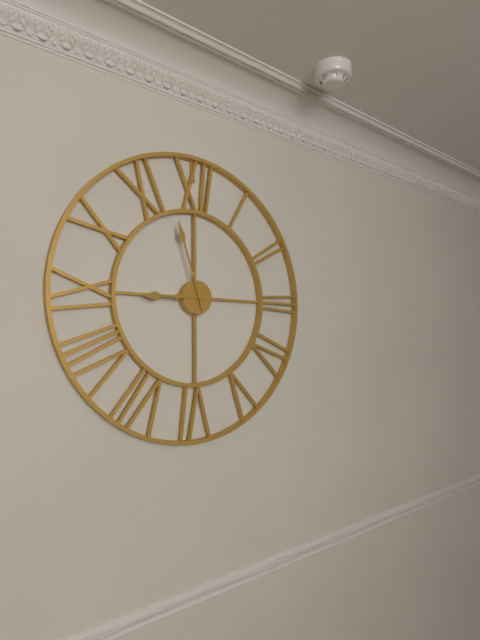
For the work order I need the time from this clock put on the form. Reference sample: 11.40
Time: 8.57
